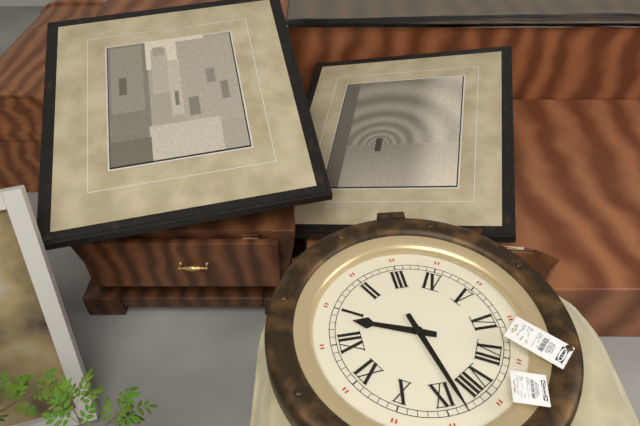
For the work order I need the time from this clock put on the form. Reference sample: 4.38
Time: 12.43
